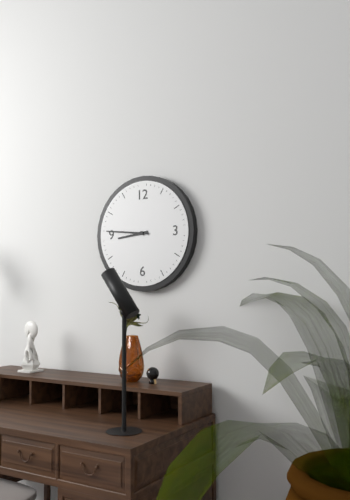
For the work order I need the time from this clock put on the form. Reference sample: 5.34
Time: 8.46
